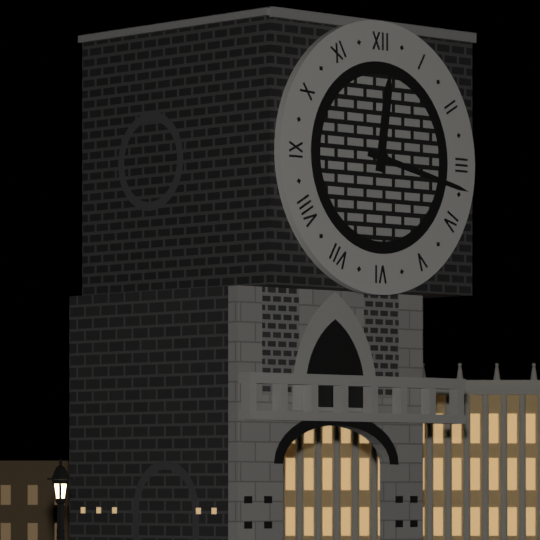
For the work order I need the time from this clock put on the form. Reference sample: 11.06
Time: 12.17
